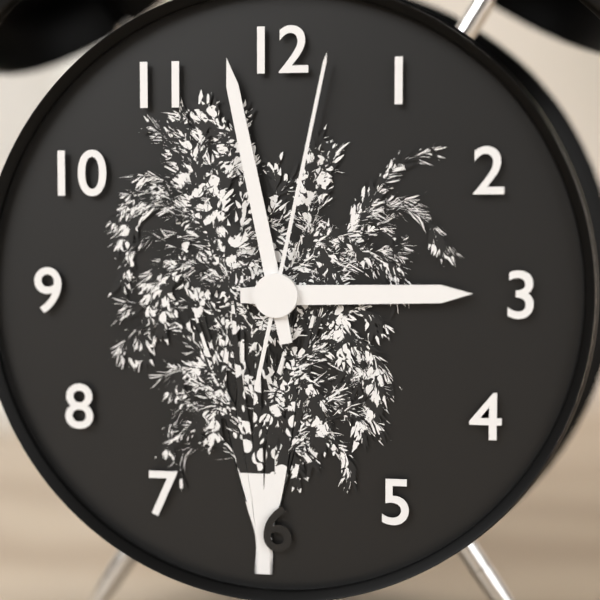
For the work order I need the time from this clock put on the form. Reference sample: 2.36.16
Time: 2.58.02
